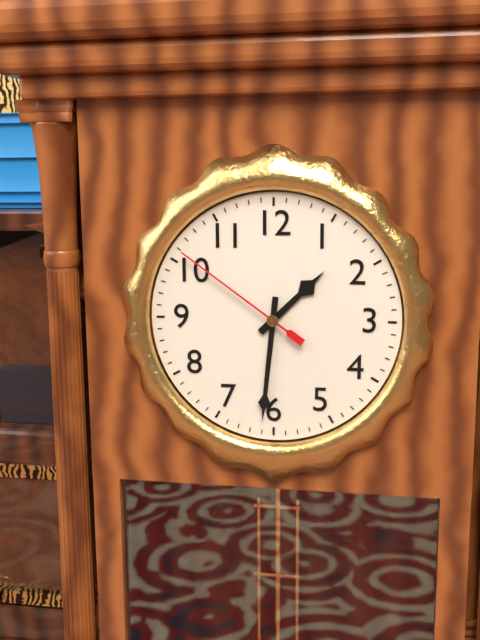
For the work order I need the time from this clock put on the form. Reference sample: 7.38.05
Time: 1.31.51
